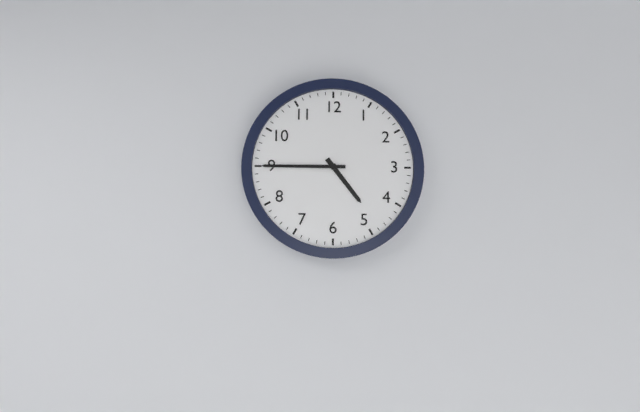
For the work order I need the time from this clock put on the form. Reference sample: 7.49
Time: 4.45
